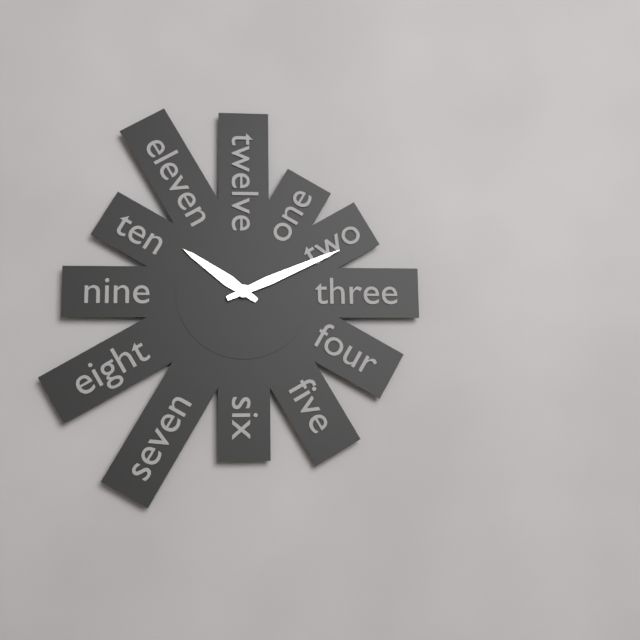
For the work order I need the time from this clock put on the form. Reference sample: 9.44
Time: 10.11
